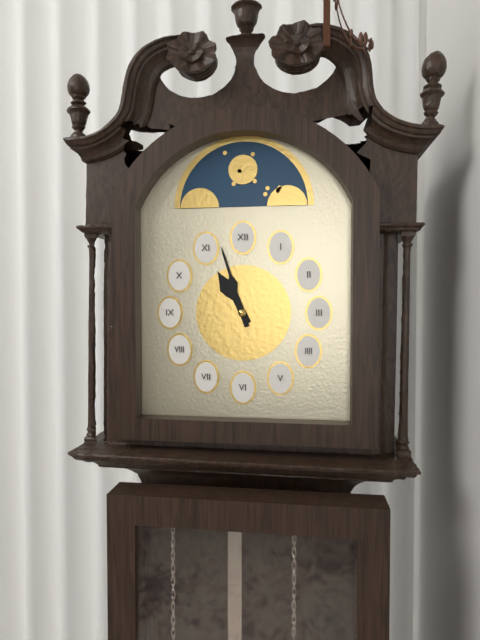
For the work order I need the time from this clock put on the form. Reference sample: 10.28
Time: 10.57
